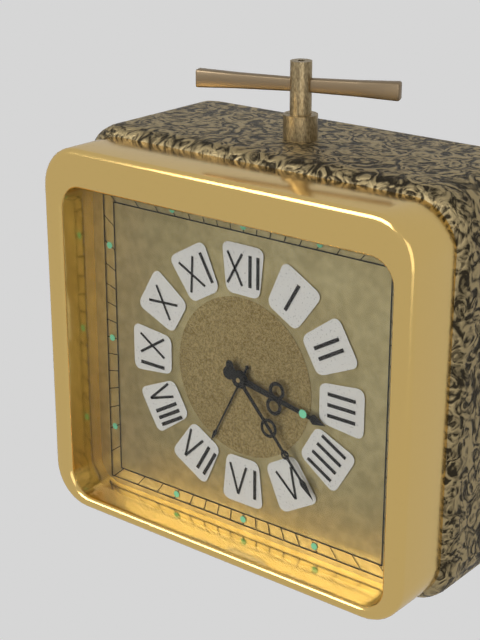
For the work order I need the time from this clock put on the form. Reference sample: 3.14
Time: 3.23
